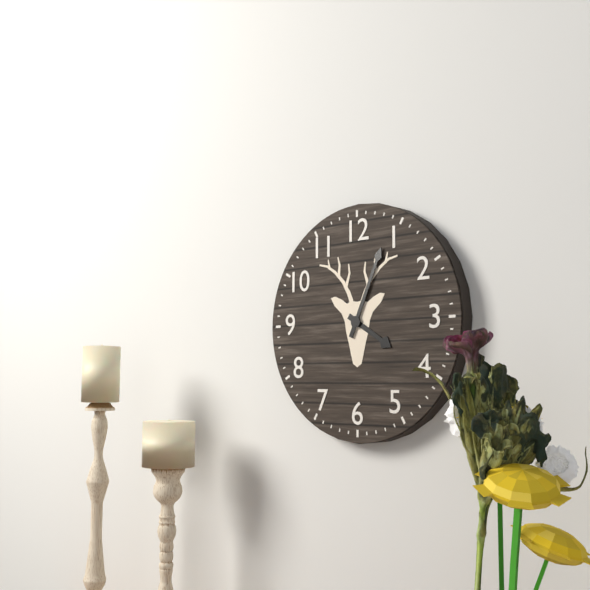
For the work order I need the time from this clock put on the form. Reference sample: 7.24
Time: 4.04
